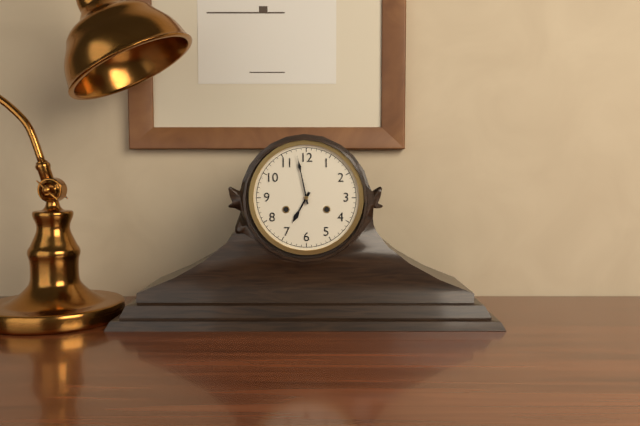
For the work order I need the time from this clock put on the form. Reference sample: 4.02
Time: 6.58
